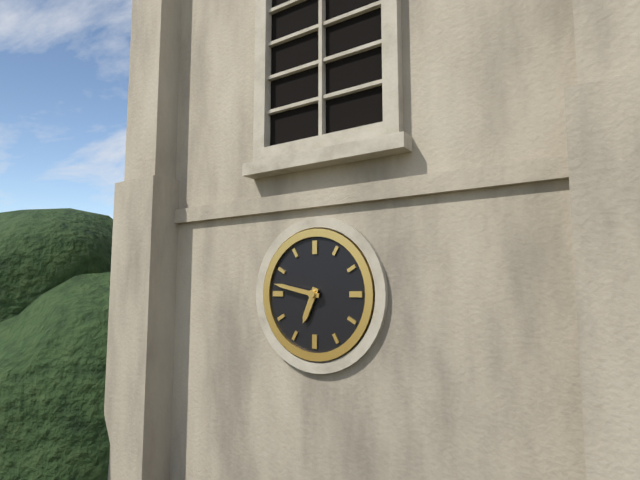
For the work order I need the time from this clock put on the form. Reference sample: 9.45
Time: 6.47
